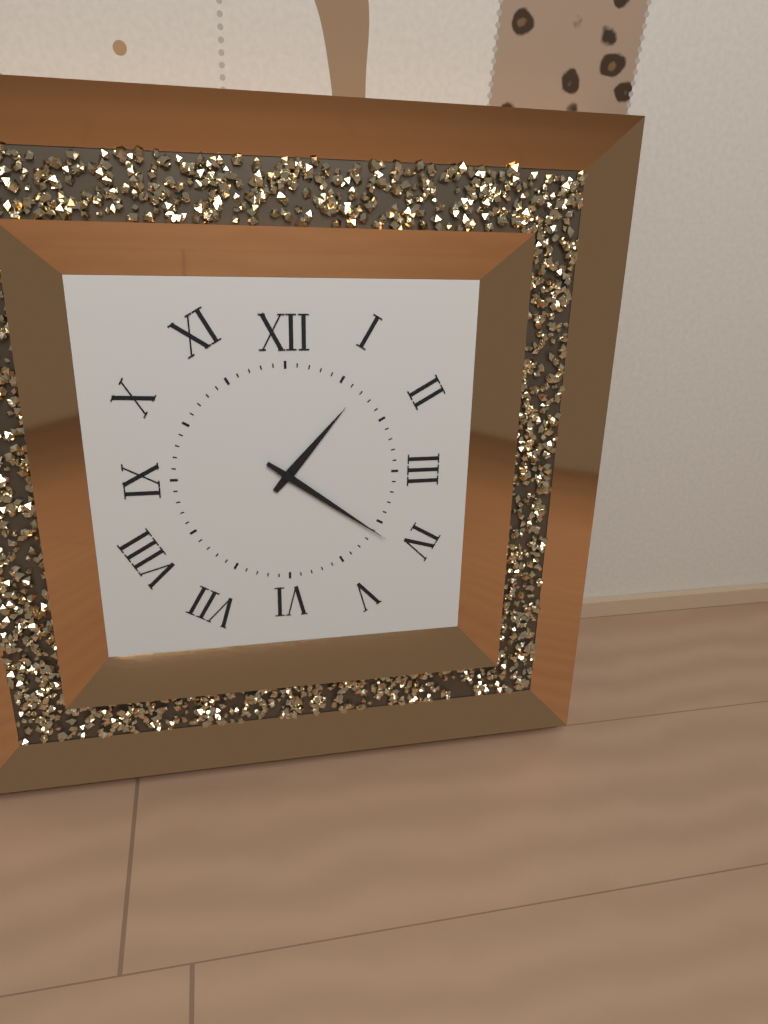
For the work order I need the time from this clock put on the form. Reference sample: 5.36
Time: 1.21
